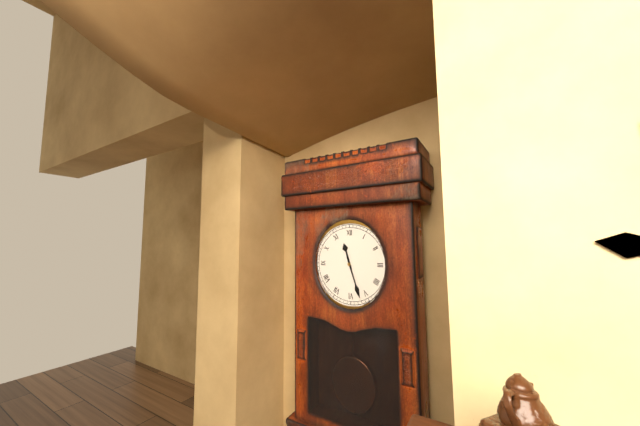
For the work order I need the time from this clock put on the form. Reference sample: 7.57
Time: 11.27
